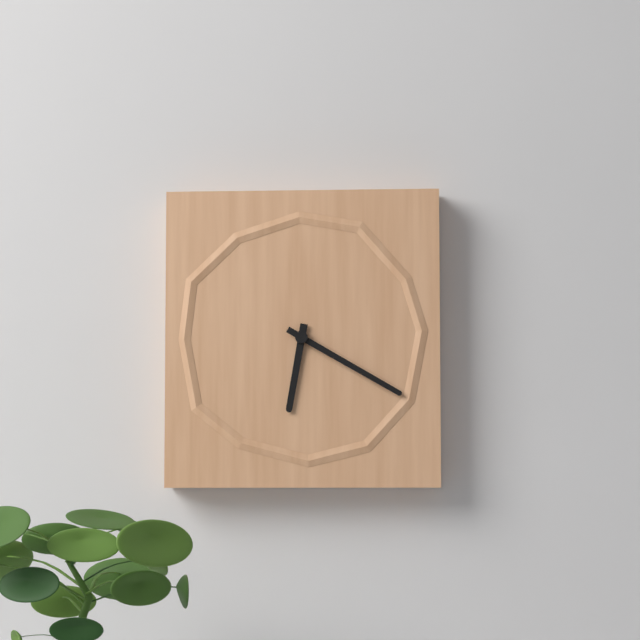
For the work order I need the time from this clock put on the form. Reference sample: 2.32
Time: 6.20
